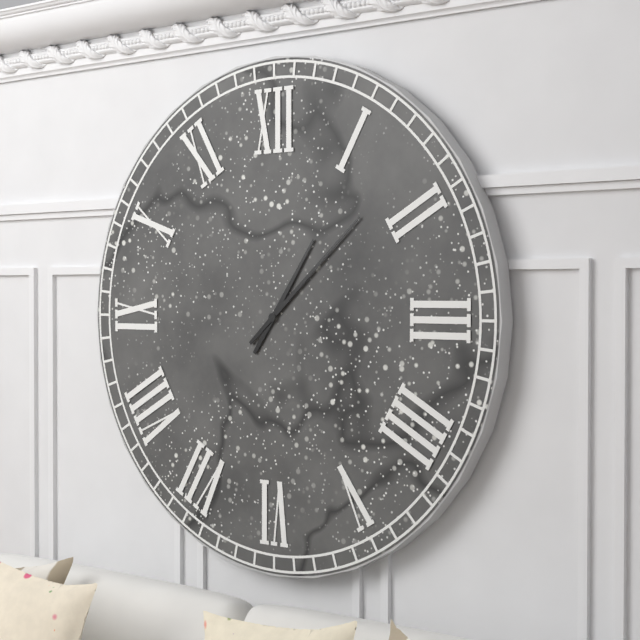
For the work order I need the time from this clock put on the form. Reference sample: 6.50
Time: 1.08
